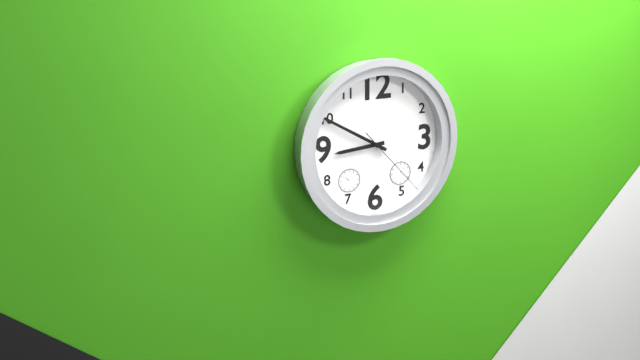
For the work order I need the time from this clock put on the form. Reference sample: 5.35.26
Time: 8.50.23
